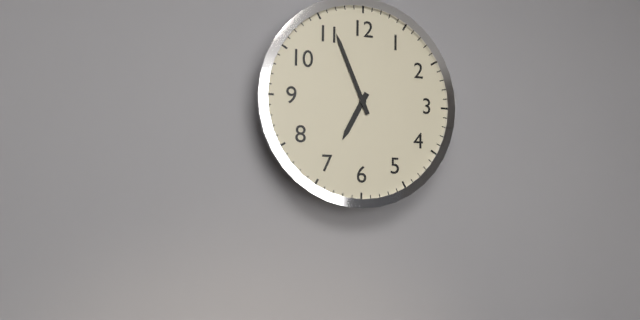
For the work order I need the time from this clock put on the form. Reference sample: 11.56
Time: 6.56
